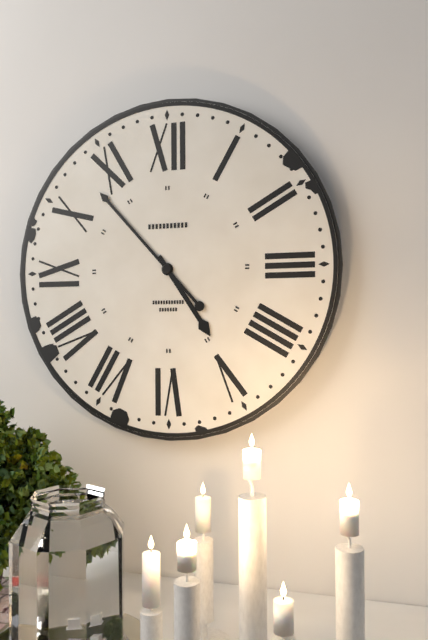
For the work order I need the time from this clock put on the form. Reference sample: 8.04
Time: 4.53
